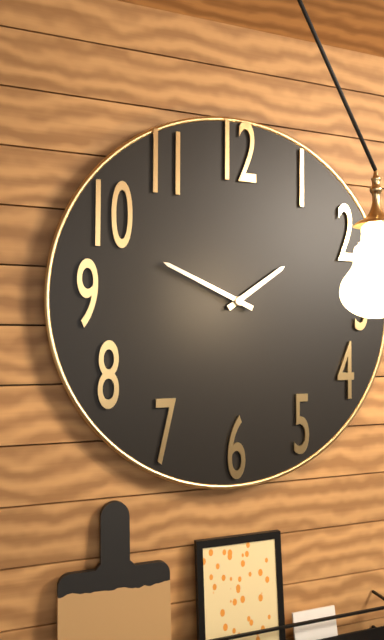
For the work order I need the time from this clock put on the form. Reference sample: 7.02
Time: 1.49
